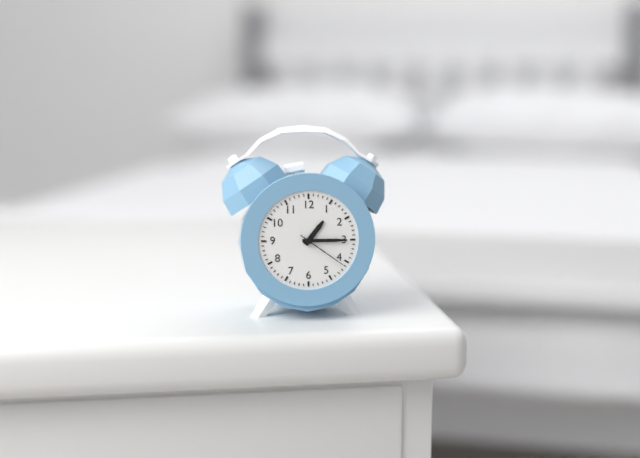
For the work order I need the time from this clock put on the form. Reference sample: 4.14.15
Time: 1.15.21
